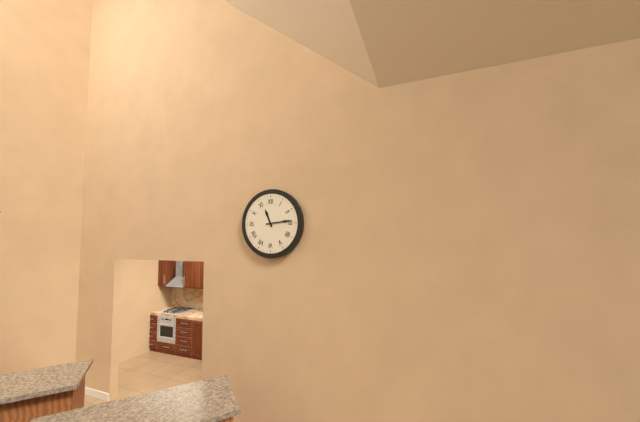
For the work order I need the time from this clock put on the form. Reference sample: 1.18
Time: 11.14
